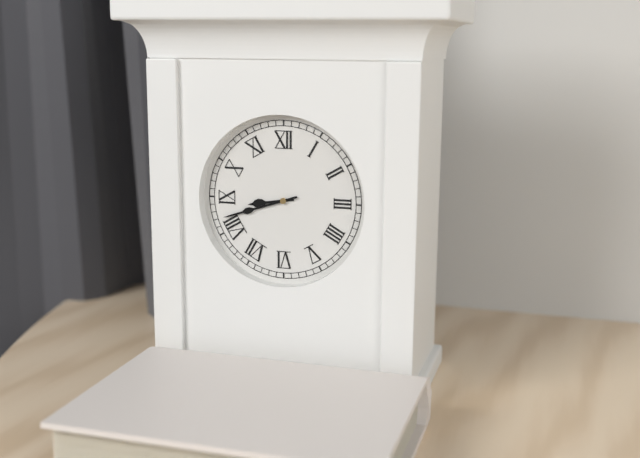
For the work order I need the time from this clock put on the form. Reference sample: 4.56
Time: 8.42
